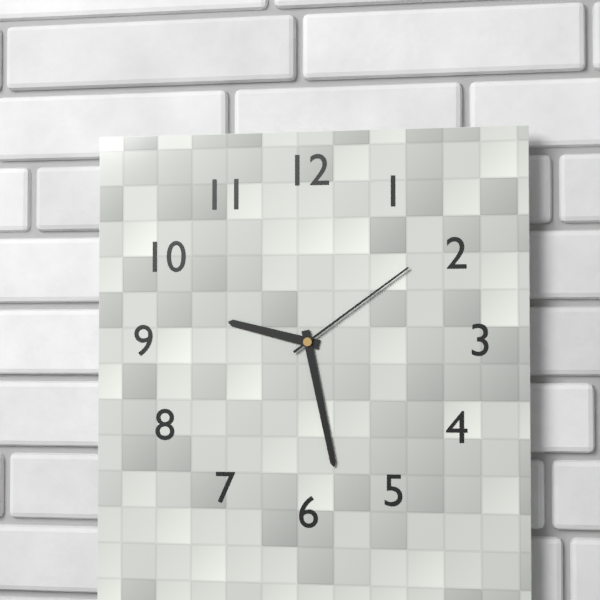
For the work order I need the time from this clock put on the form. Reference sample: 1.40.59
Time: 9.28.09
